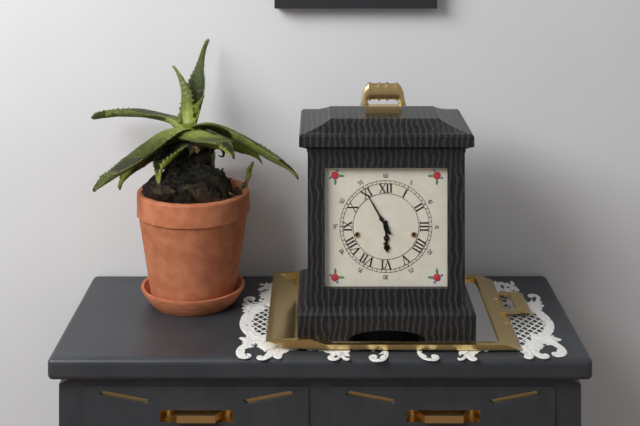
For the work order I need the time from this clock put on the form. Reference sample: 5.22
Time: 5.55
